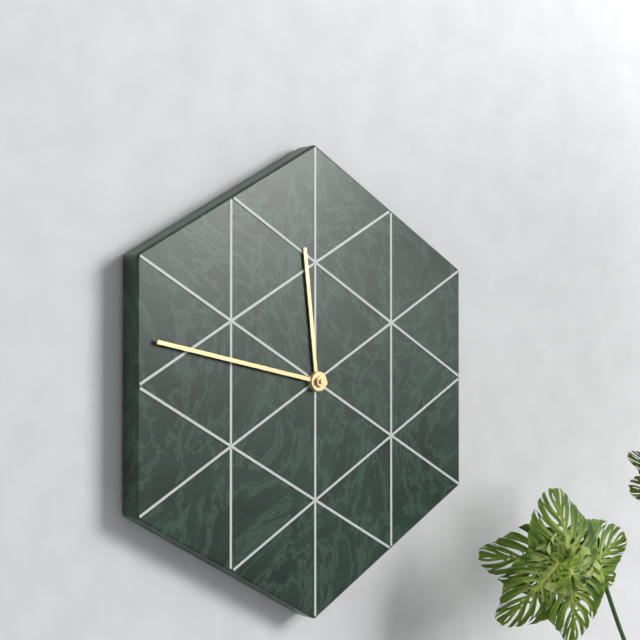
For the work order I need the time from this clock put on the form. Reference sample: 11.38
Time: 11.47
